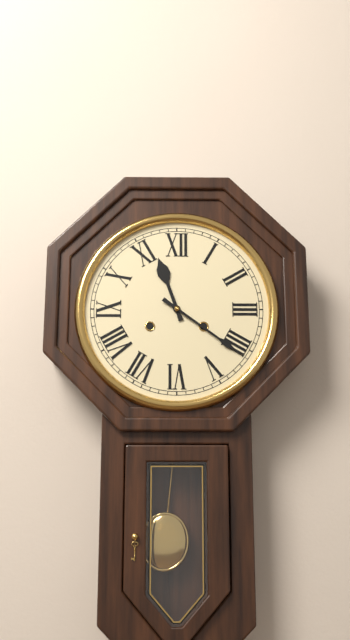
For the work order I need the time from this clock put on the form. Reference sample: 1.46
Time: 11.21
